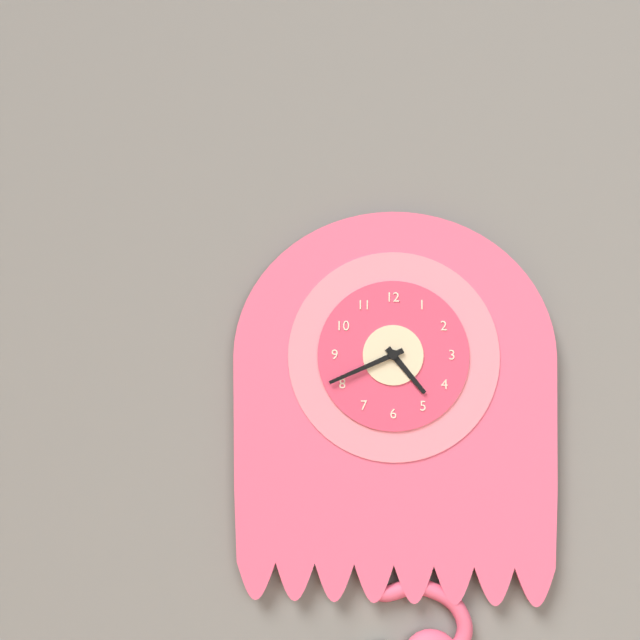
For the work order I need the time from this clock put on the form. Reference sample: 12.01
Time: 4.41
